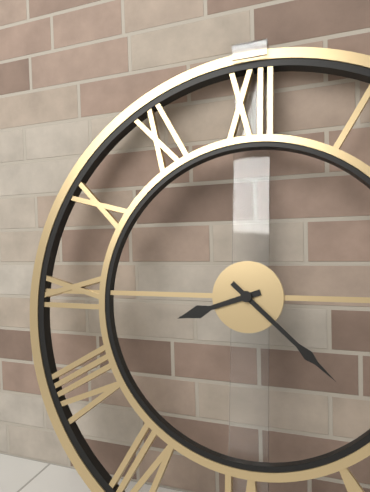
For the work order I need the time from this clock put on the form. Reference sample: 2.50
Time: 8.22
